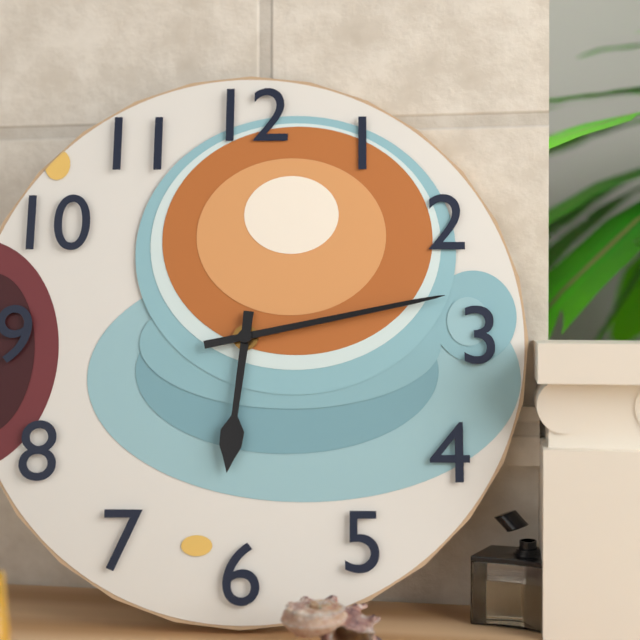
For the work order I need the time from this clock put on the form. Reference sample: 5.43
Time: 6.13
